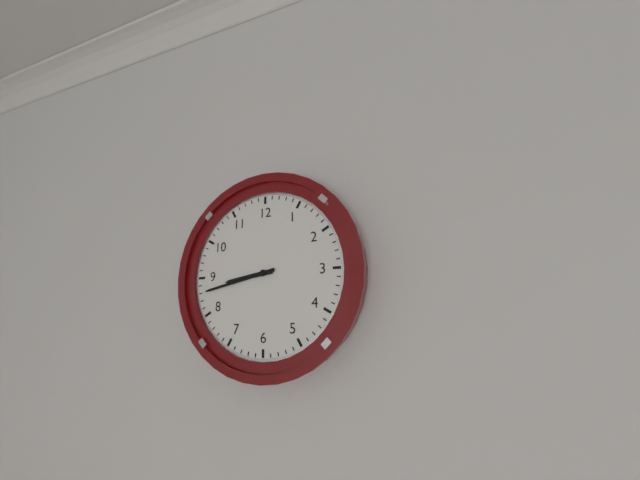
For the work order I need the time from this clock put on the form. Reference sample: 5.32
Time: 8.43
